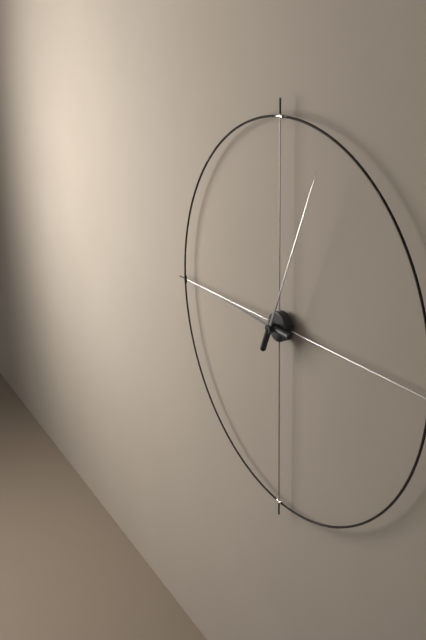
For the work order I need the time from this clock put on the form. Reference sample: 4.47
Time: 9.04
